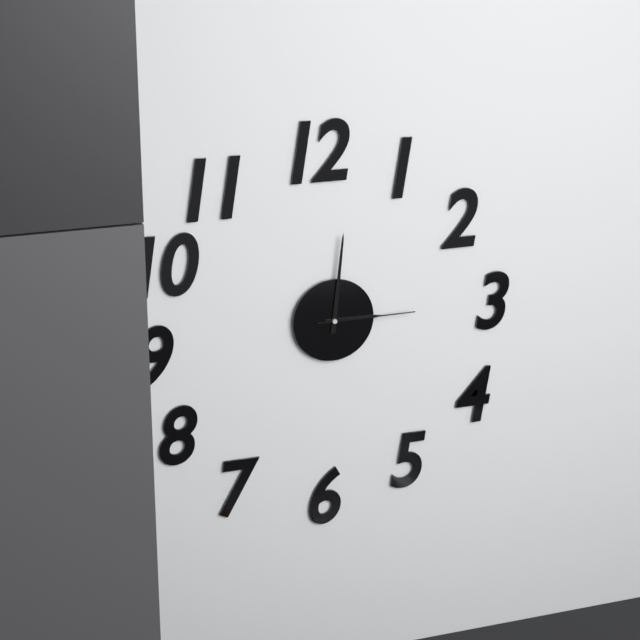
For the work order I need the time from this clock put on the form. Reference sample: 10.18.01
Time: 3.01.15
